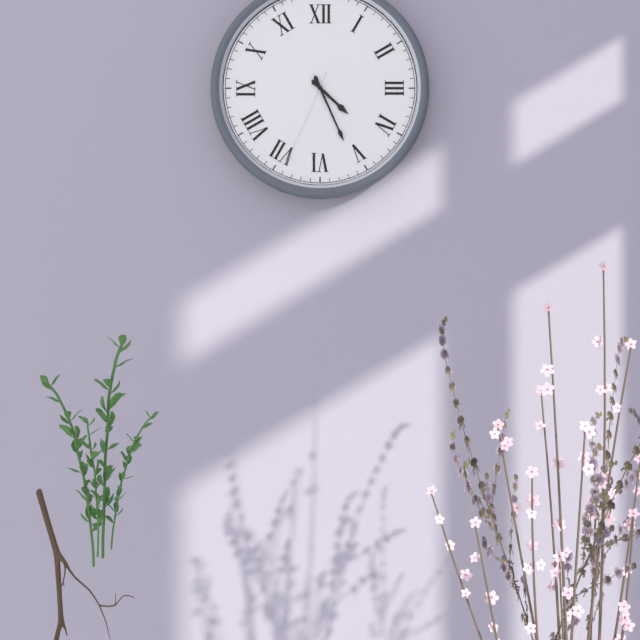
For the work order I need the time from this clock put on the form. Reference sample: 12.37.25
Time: 4.26.34
